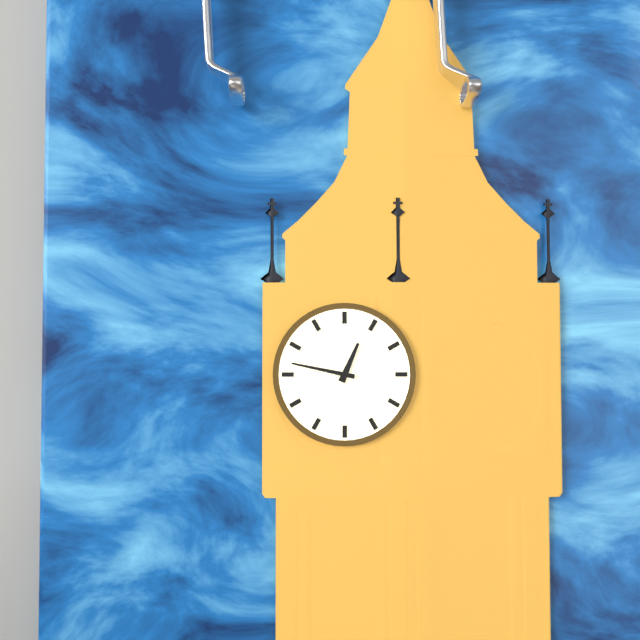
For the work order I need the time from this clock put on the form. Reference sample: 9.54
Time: 12.47
